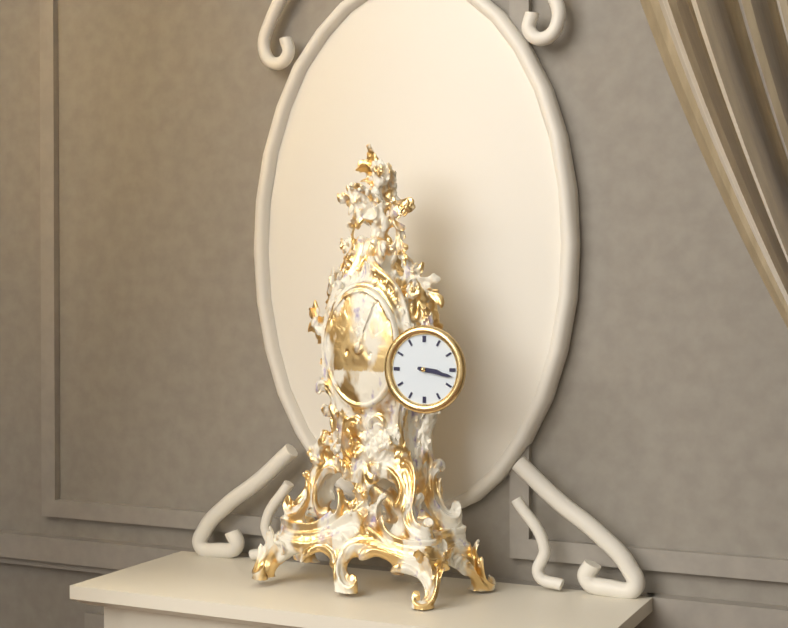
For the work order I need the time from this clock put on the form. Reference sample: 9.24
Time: 3.17
